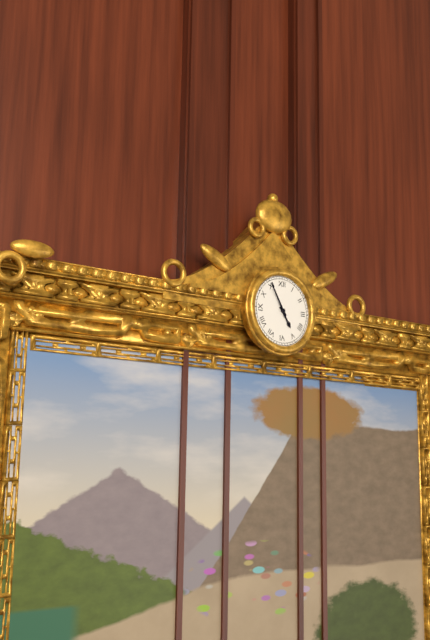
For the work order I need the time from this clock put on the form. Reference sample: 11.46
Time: 4.55
